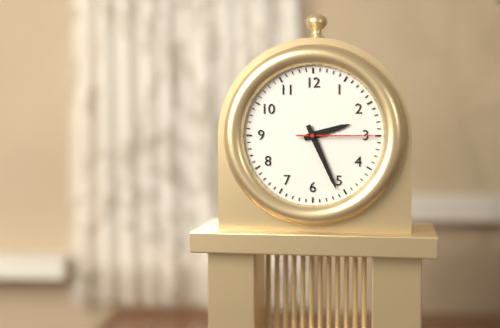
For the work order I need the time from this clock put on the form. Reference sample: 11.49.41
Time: 2.26.15
